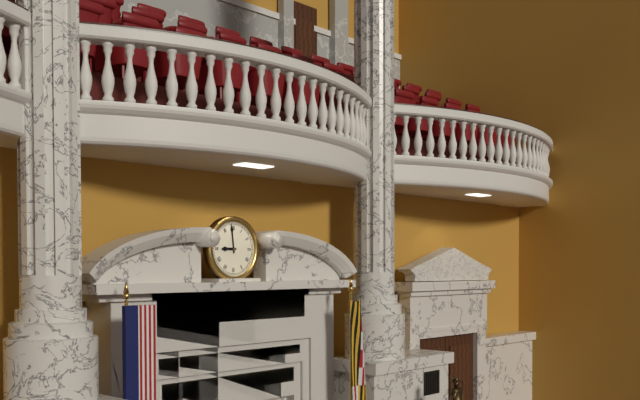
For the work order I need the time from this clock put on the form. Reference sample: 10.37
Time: 8.59
